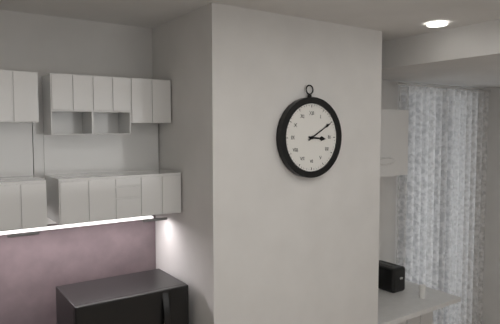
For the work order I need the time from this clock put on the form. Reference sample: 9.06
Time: 3.10
